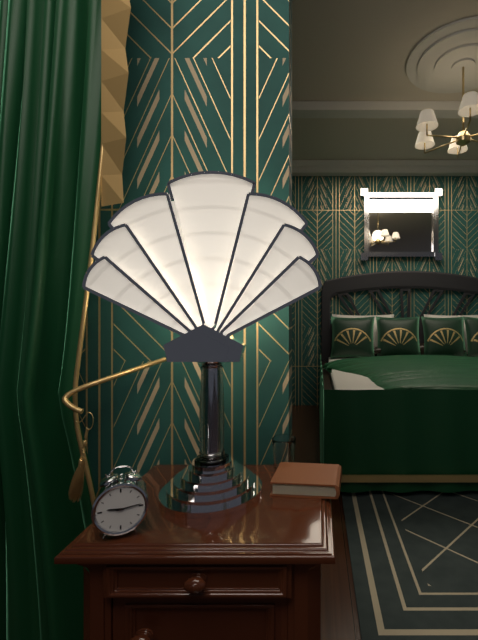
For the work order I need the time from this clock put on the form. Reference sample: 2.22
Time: 9.14
